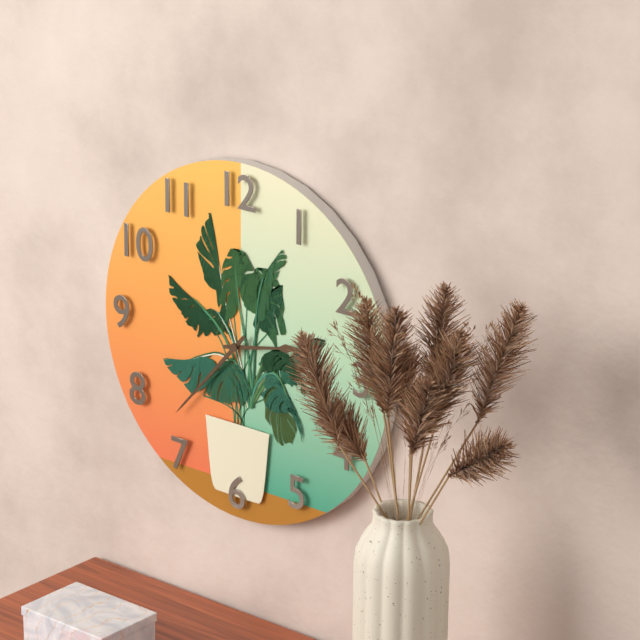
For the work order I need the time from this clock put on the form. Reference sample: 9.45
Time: 2.37
